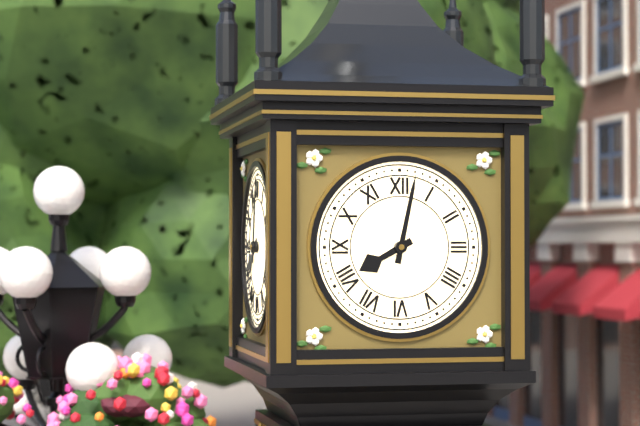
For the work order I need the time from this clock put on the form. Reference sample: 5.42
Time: 8.02
